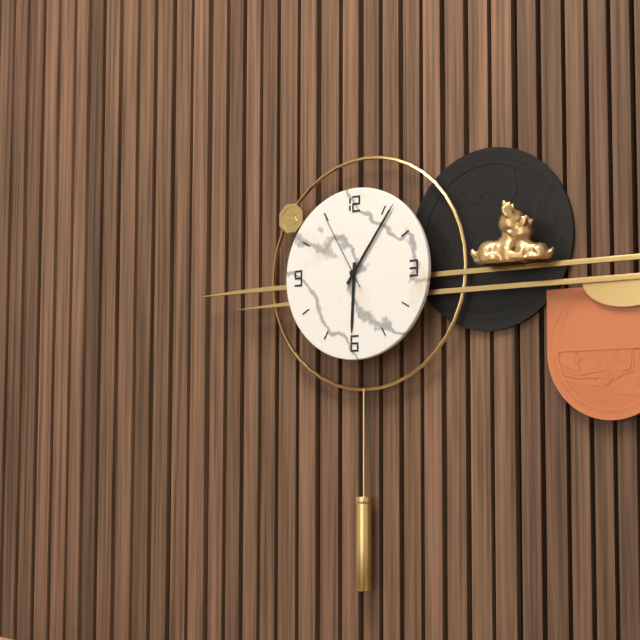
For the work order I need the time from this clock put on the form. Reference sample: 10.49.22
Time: 6.06.55
